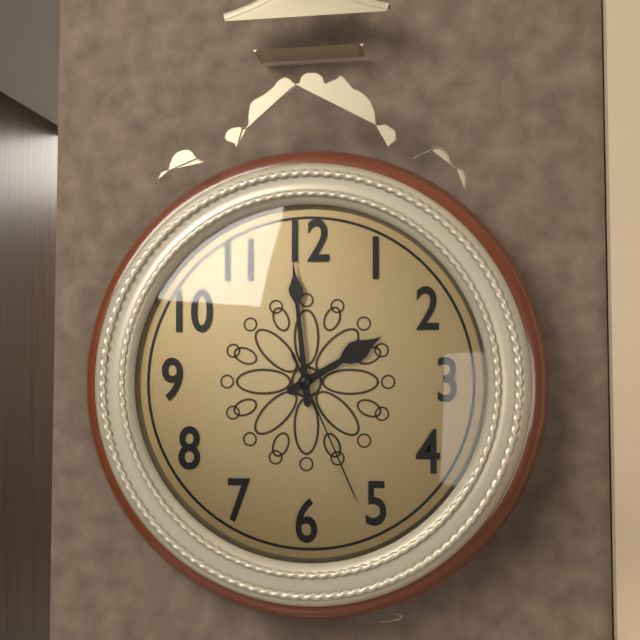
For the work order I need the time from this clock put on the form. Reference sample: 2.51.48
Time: 1.59.26
